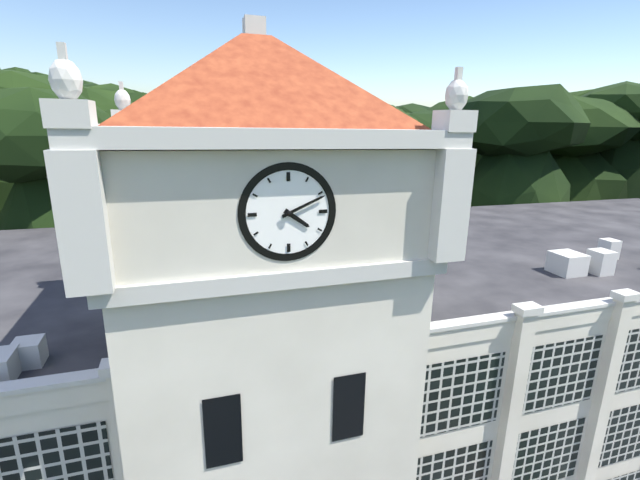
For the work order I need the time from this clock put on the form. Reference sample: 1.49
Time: 4.11
